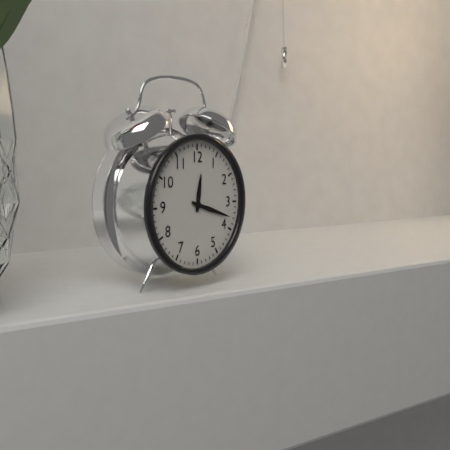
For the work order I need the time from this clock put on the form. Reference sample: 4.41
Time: 12.18
